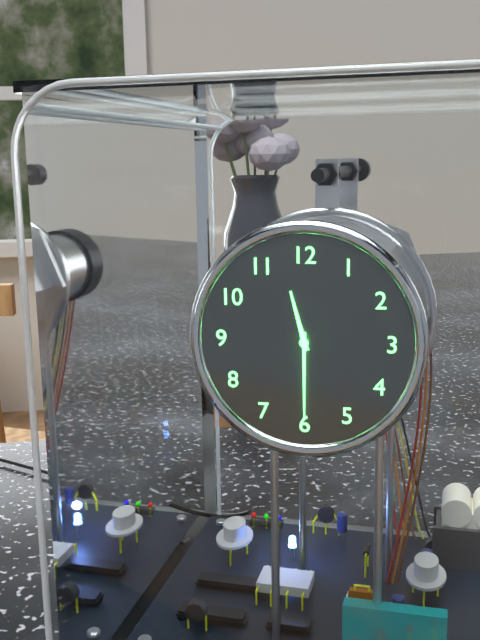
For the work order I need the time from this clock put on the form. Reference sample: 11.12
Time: 11.30
